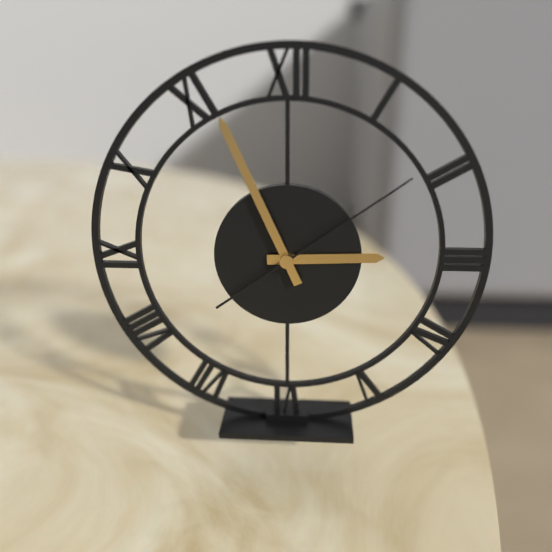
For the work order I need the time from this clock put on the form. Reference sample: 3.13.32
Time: 2.56.09
